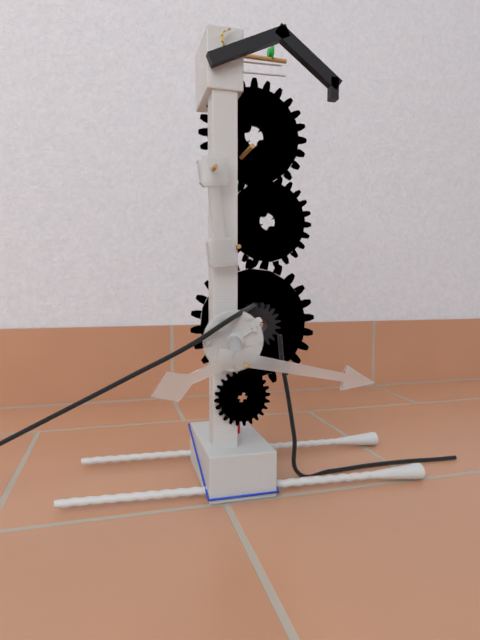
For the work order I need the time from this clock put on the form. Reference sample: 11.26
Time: 8.17
